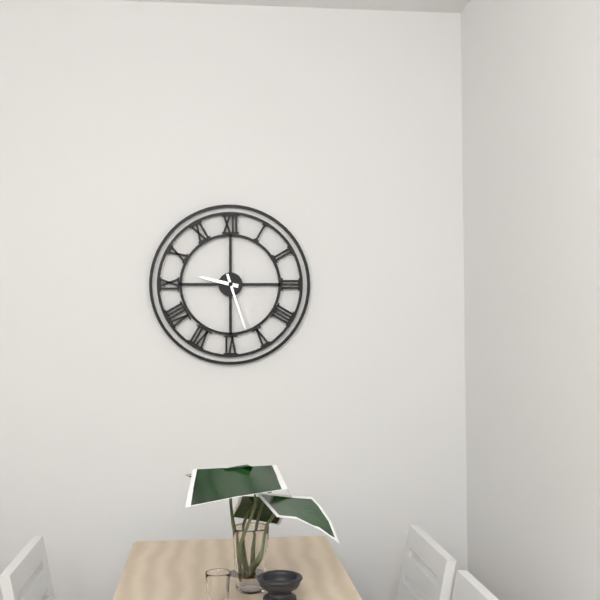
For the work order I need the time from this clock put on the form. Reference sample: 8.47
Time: 9.27
